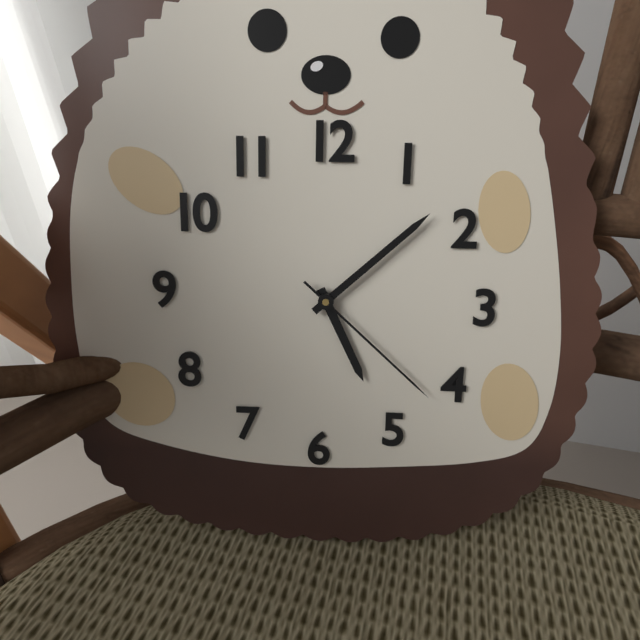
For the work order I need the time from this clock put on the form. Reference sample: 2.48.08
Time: 5.08.22
